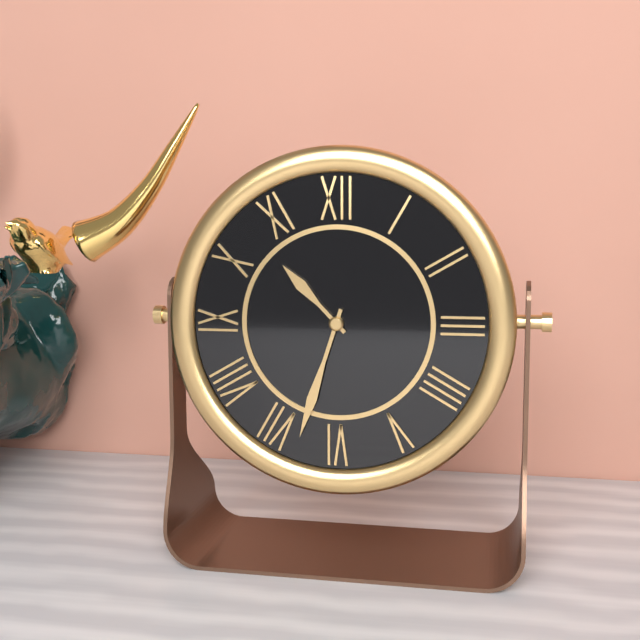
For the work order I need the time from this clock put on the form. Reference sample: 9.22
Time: 10.33
